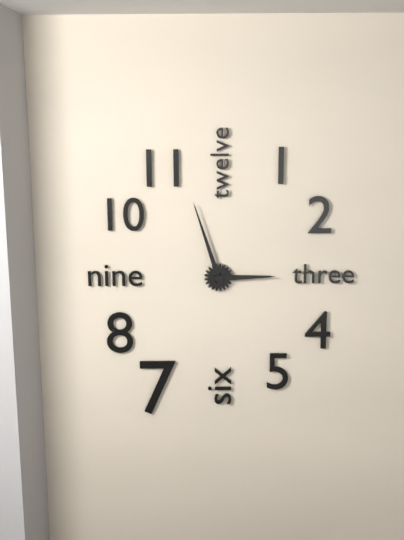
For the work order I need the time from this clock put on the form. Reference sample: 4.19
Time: 2.57
